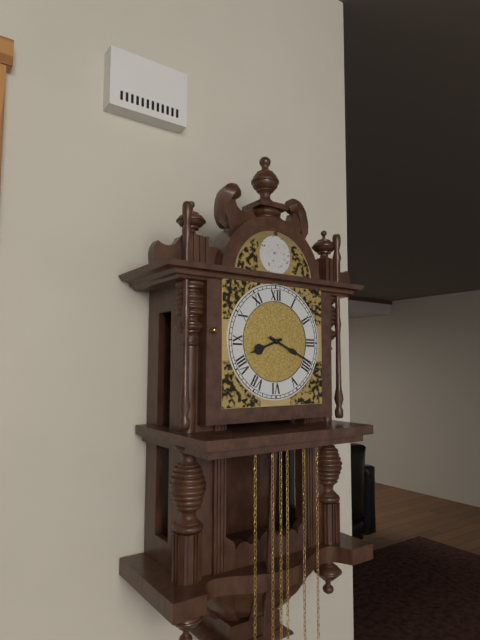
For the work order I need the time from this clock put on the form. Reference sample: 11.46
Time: 8.19
